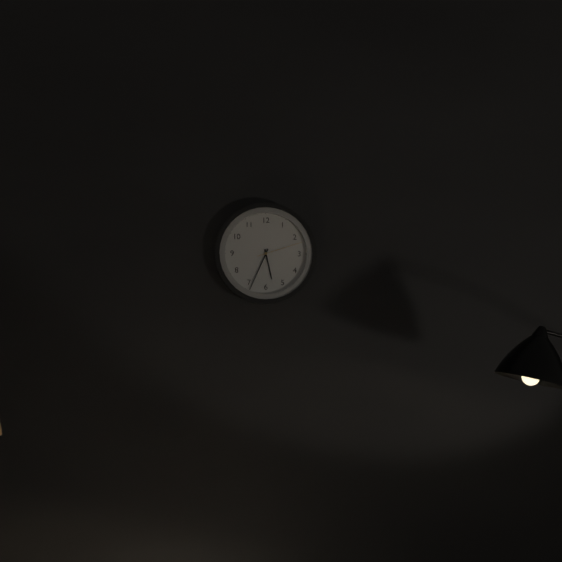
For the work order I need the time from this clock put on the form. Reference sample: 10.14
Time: 5.34
